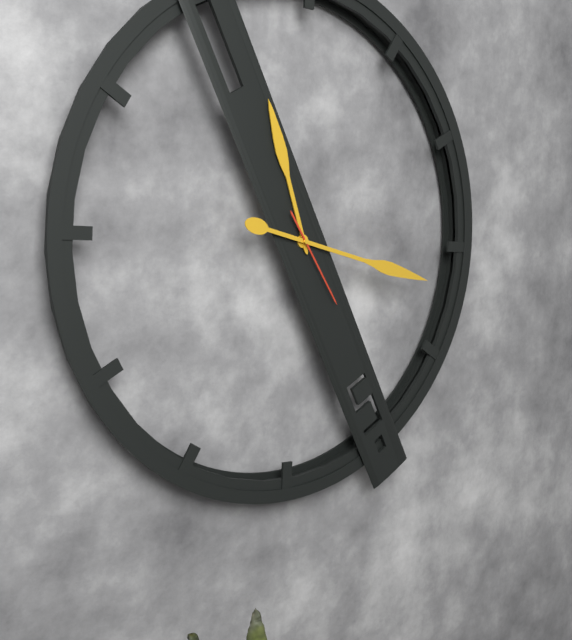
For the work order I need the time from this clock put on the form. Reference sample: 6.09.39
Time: 11.17.24
